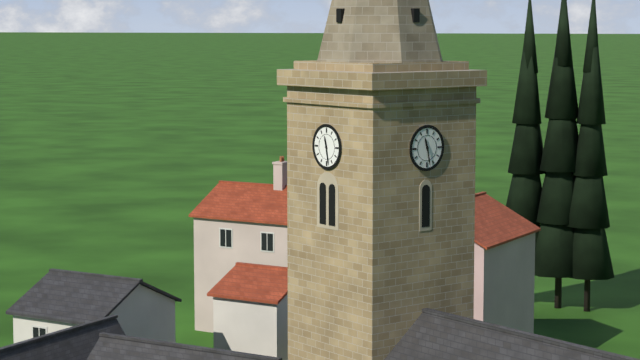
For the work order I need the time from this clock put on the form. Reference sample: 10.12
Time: 11.28
